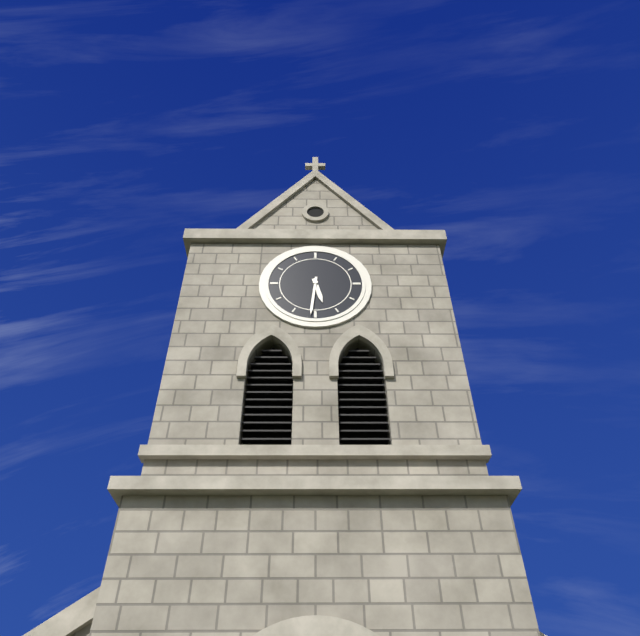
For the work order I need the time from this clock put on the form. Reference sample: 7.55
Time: 5.31
